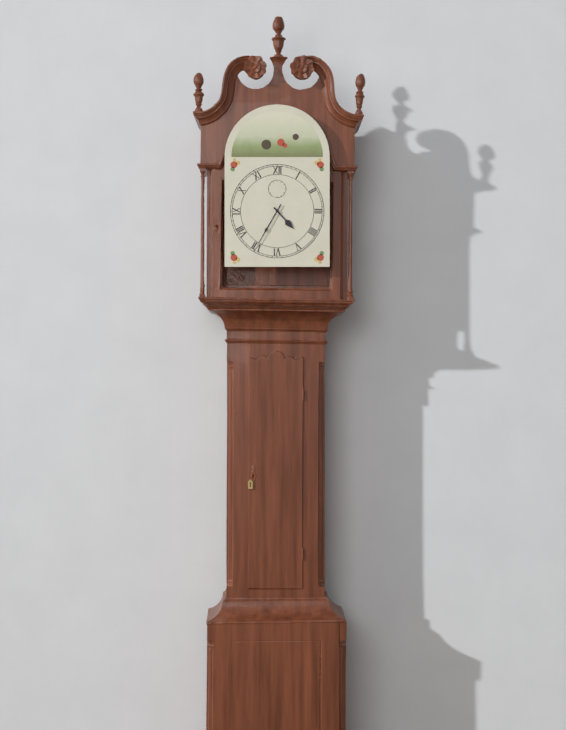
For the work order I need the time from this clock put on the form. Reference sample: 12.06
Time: 4.35
